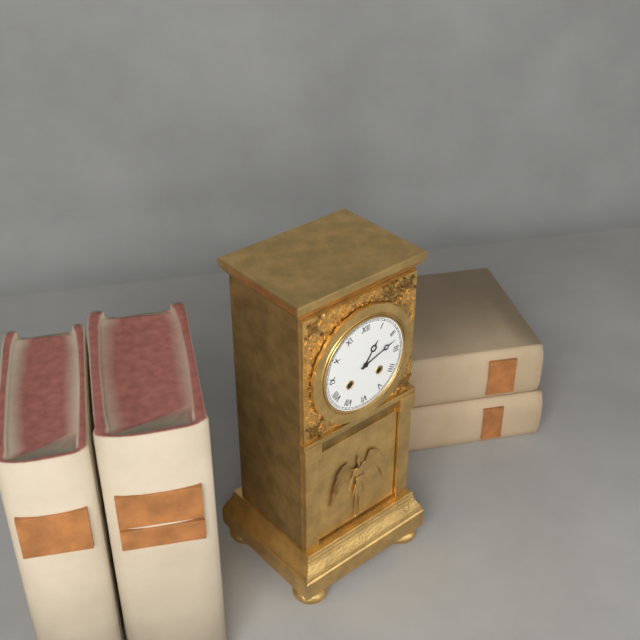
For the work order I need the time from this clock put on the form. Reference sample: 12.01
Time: 1.12
